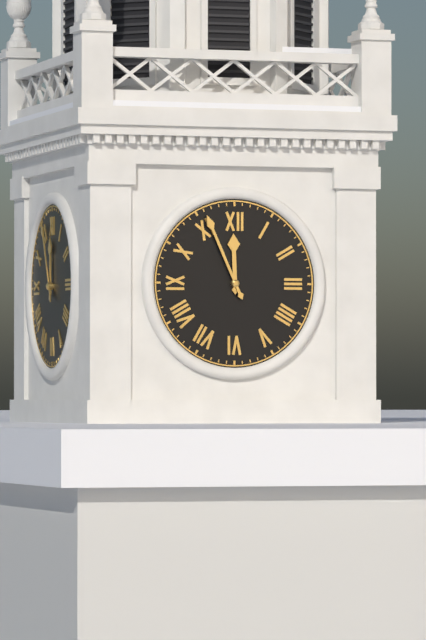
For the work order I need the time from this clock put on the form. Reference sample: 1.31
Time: 11.56
